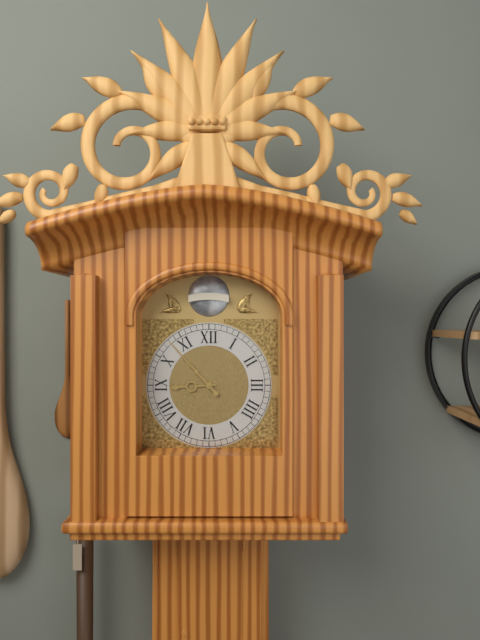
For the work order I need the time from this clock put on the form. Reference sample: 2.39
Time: 8.53
